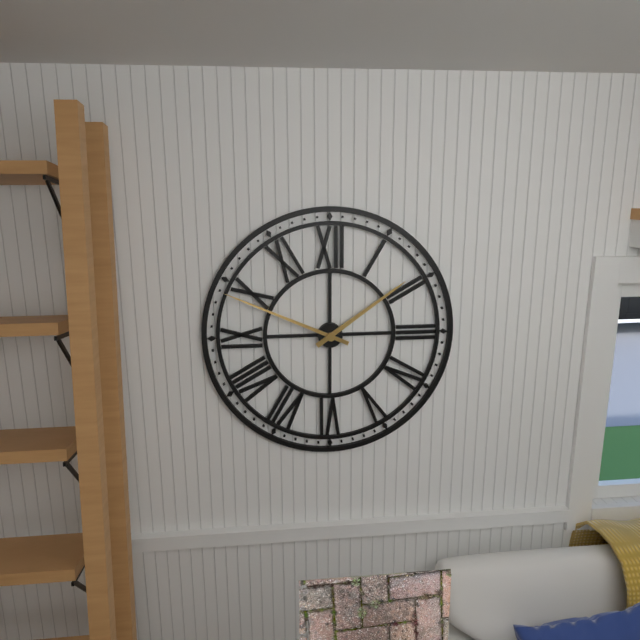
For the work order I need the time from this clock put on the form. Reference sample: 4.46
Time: 1.49
